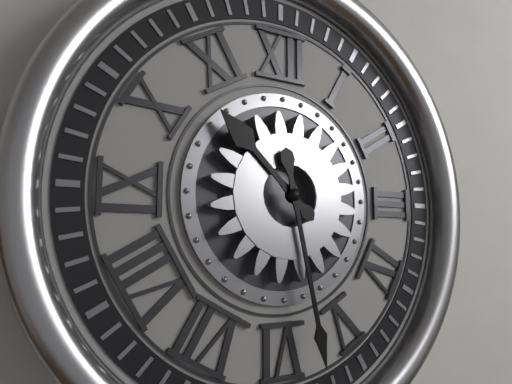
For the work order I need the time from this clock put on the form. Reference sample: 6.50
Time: 10.28
